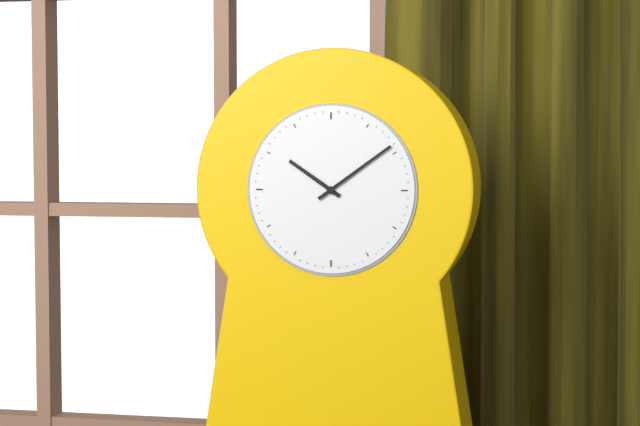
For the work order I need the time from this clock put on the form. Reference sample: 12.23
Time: 10.09
